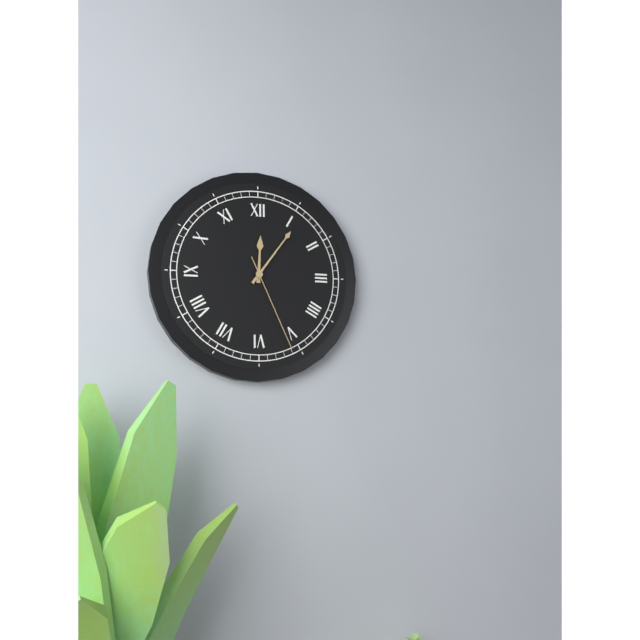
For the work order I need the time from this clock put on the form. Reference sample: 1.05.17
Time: 12.06.26
